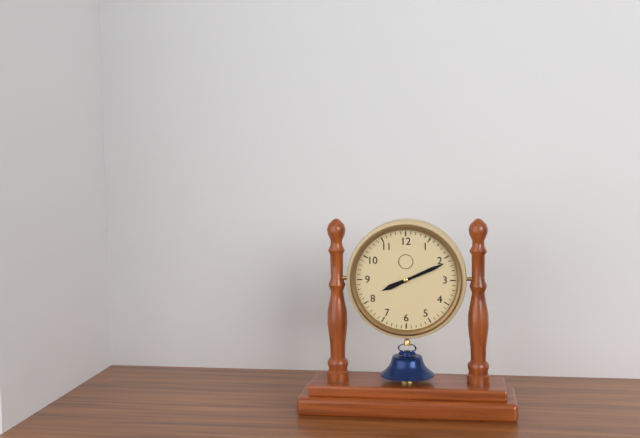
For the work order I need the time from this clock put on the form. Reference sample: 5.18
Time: 8.11
